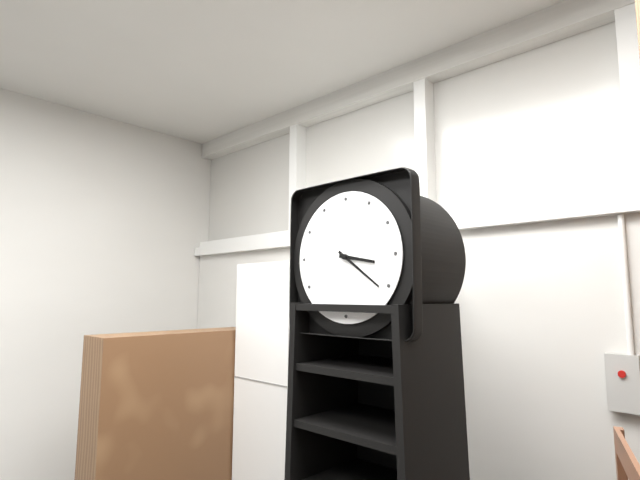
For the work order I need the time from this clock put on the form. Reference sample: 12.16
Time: 3.21
